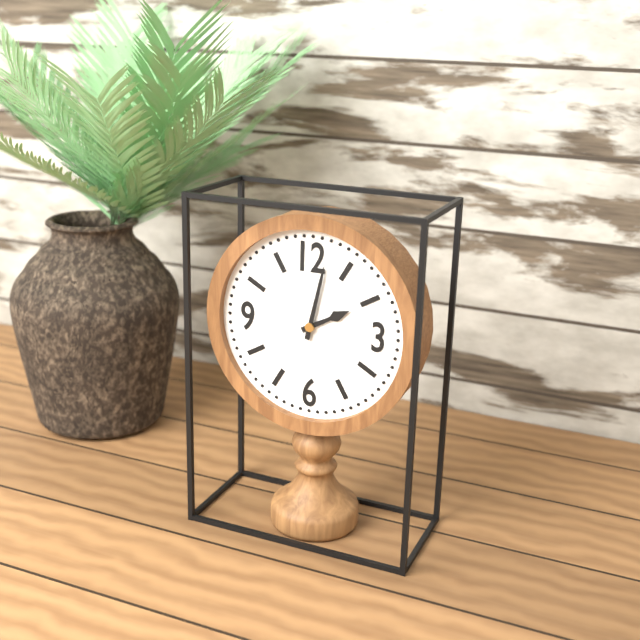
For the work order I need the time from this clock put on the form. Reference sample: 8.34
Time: 2.02
